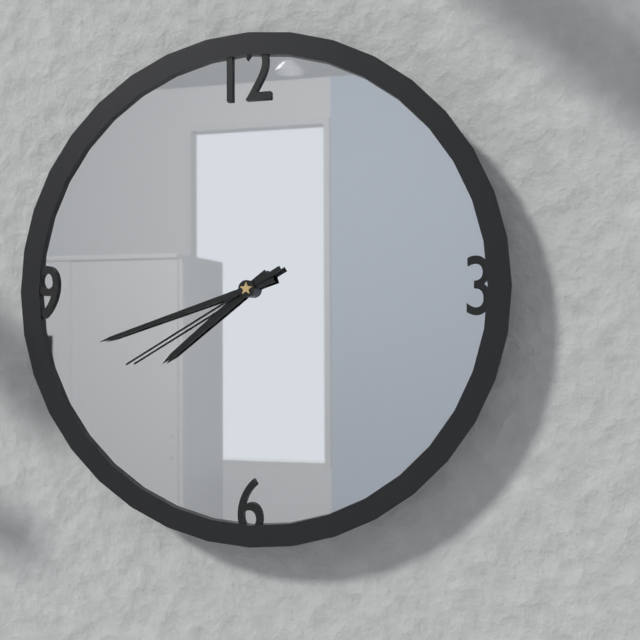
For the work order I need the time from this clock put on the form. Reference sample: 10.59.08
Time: 7.42.40
